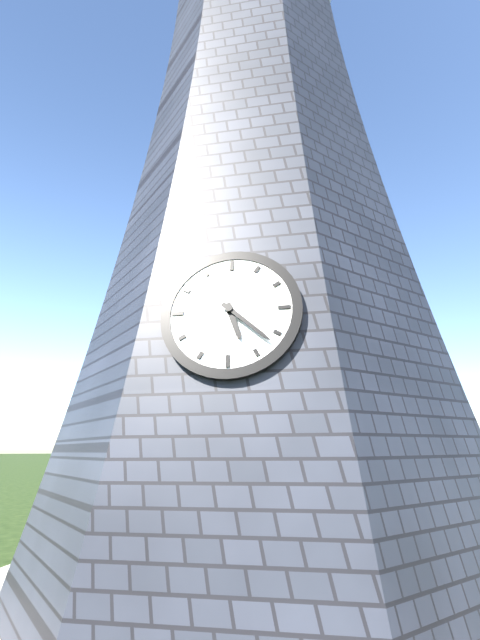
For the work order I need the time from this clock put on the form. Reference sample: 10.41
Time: 5.22
